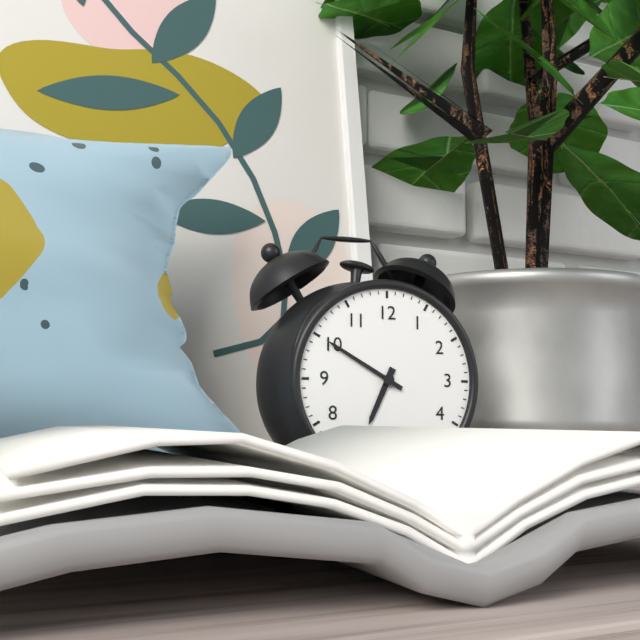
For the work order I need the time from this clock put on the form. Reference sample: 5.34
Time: 6.50
